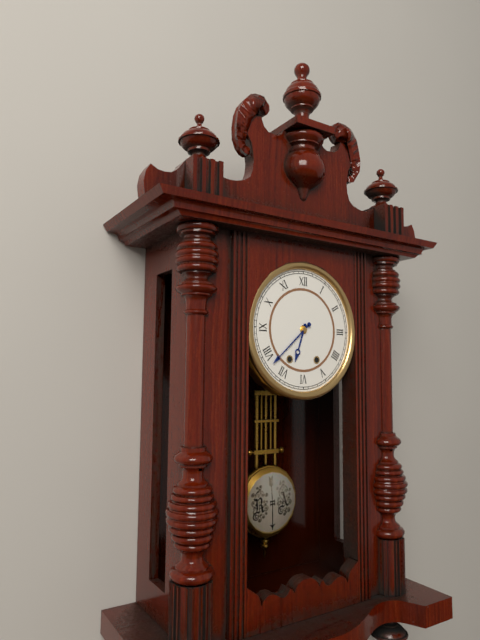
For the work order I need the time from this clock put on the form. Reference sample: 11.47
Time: 6.38
